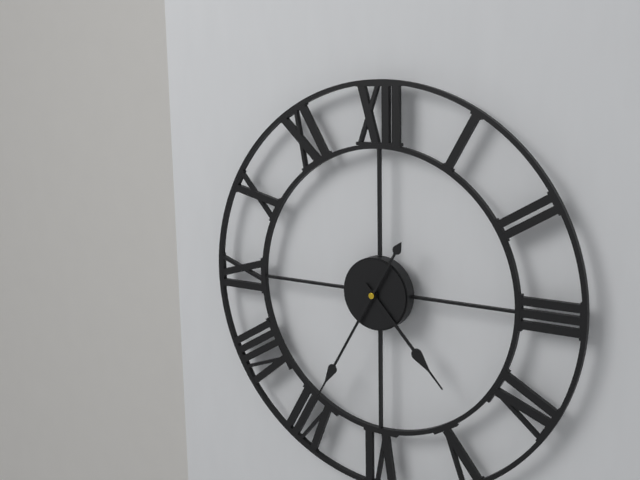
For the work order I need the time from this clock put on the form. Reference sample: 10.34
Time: 4.35
